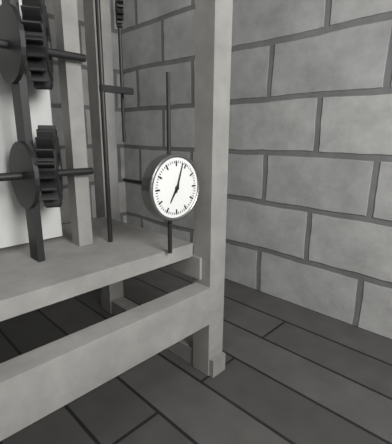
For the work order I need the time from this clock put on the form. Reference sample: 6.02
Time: 7.03
